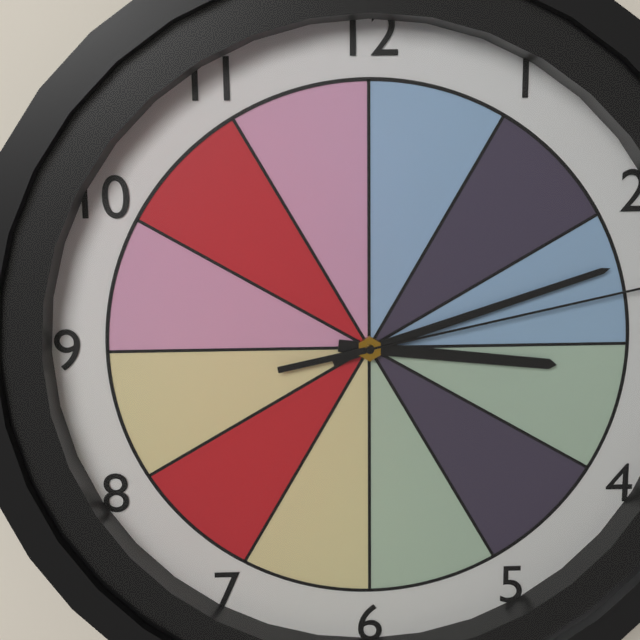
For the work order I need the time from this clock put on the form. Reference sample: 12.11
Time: 3.12
